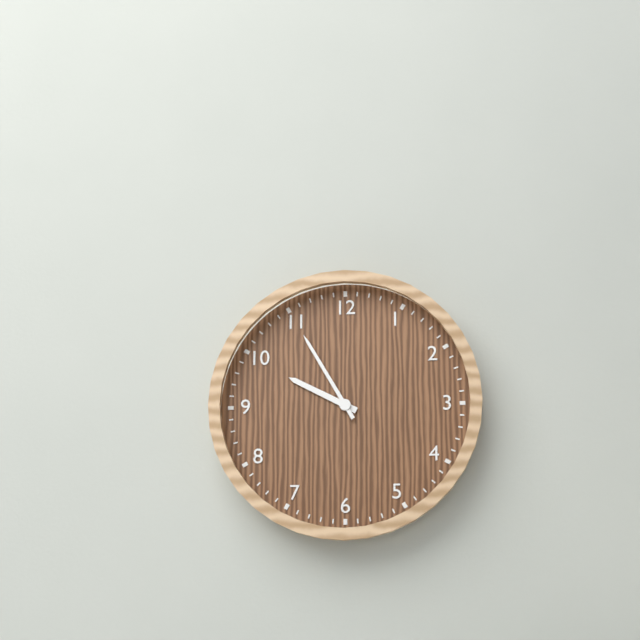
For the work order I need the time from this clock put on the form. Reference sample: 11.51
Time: 9.55
